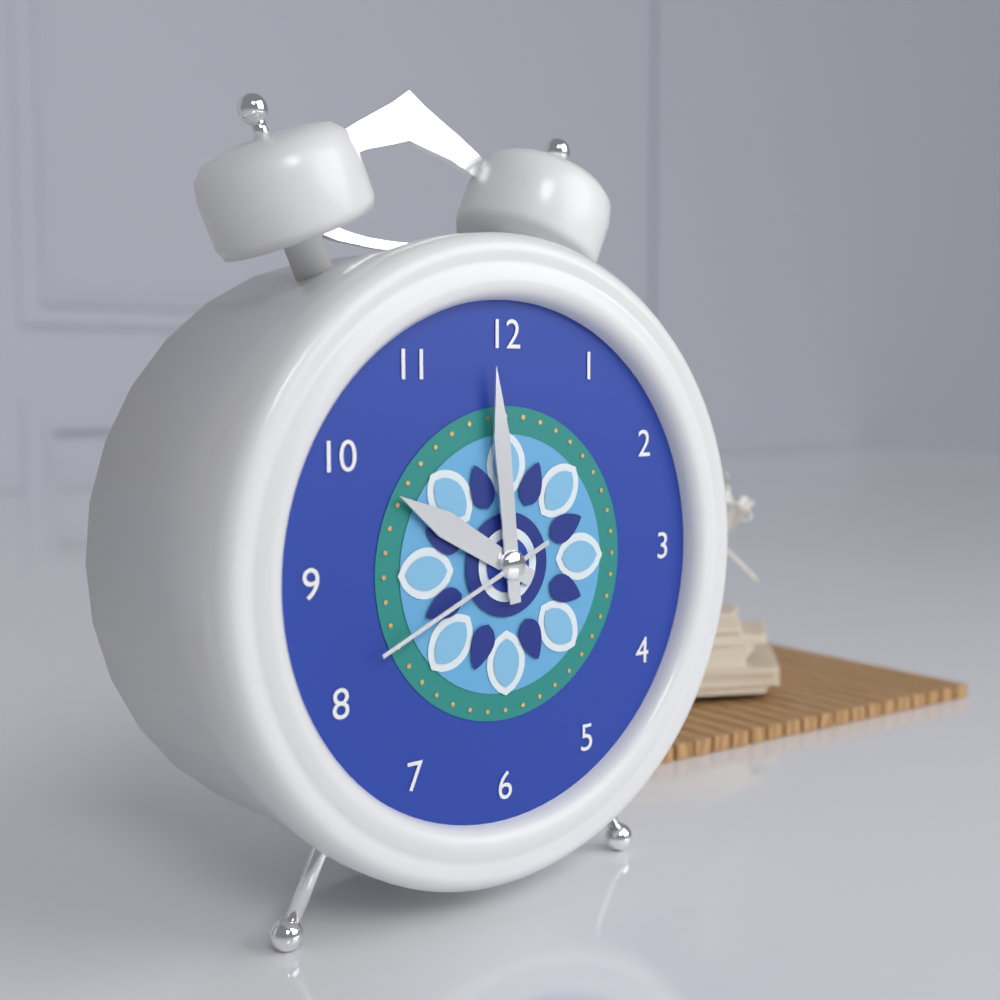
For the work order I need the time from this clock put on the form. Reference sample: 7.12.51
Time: 9.59.41
